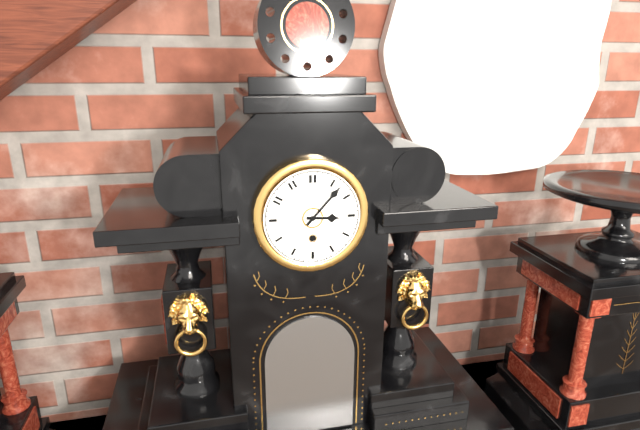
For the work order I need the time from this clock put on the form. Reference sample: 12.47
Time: 3.07
